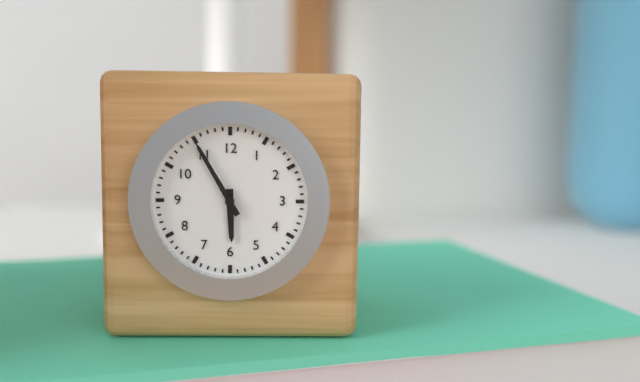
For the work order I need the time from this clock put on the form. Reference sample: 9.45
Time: 5.55
